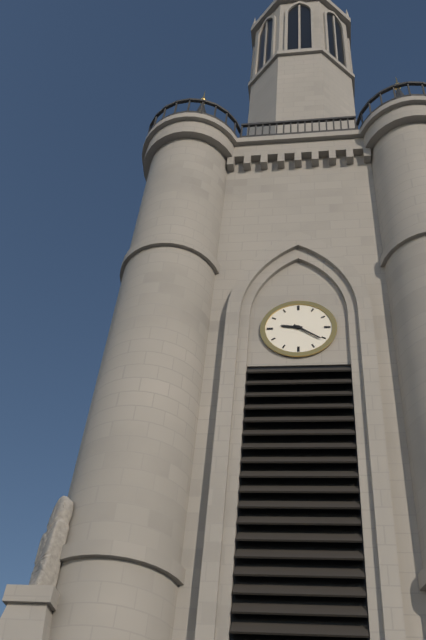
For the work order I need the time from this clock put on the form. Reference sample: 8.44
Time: 9.21
